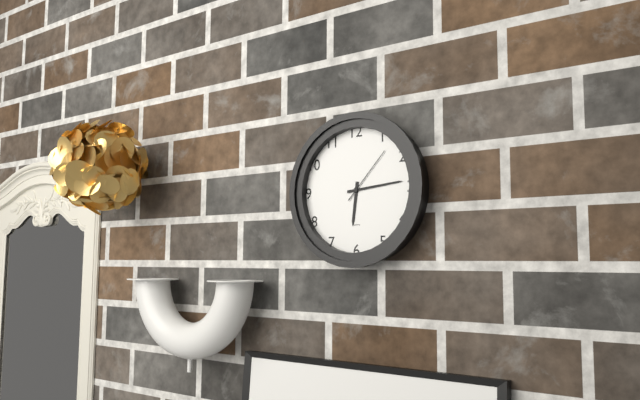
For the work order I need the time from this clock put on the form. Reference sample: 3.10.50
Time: 6.14.07
